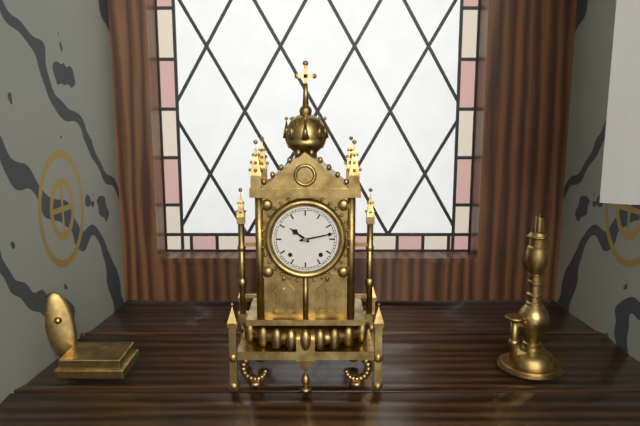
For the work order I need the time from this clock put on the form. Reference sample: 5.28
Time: 10.13
